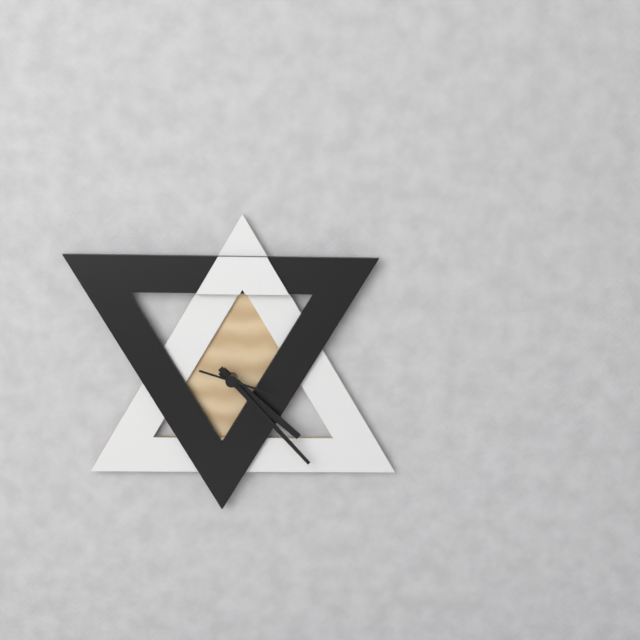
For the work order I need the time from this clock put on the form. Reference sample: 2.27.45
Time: 4.23.18
